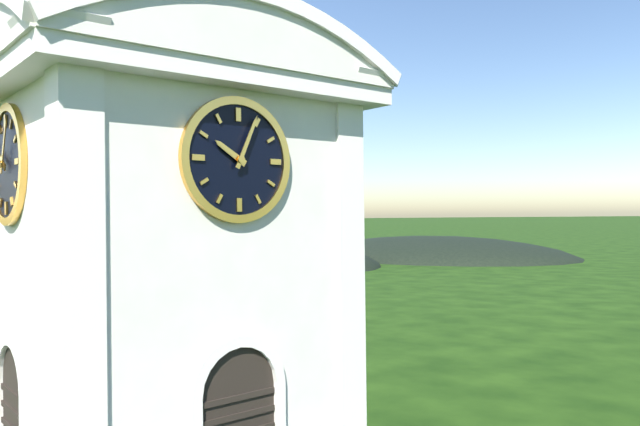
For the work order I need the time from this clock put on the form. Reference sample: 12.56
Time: 10.04
